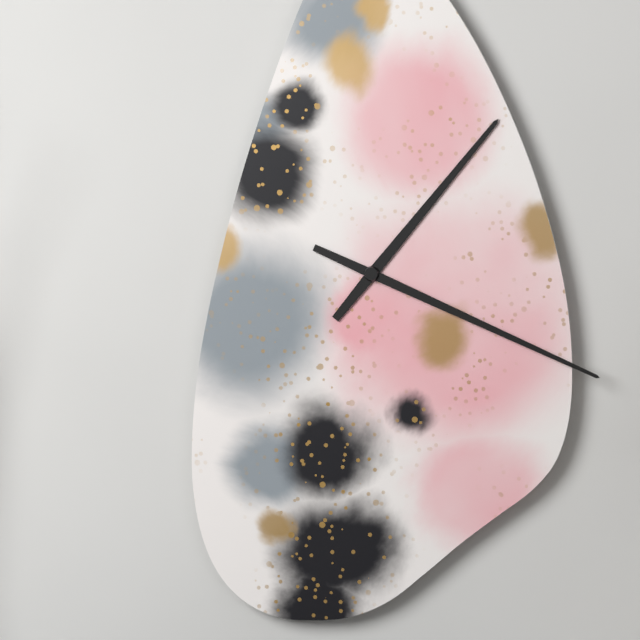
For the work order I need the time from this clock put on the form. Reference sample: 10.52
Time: 1.19
